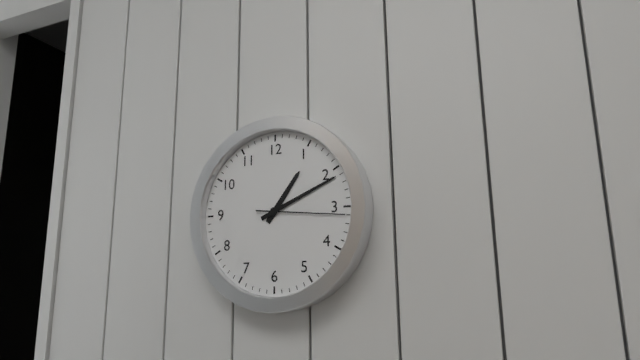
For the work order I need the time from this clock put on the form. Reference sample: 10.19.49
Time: 1.11.16
